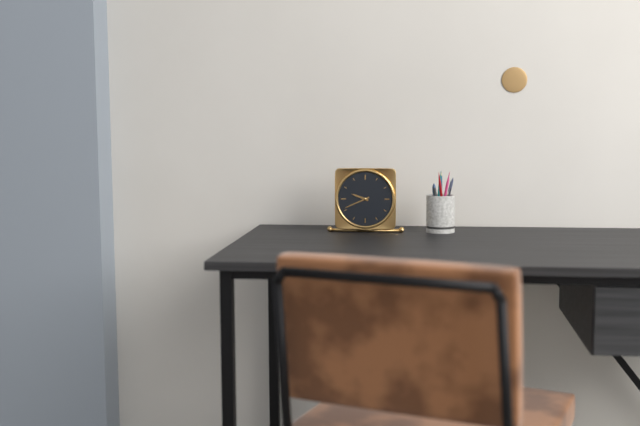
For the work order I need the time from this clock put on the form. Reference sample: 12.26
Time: 9.41
